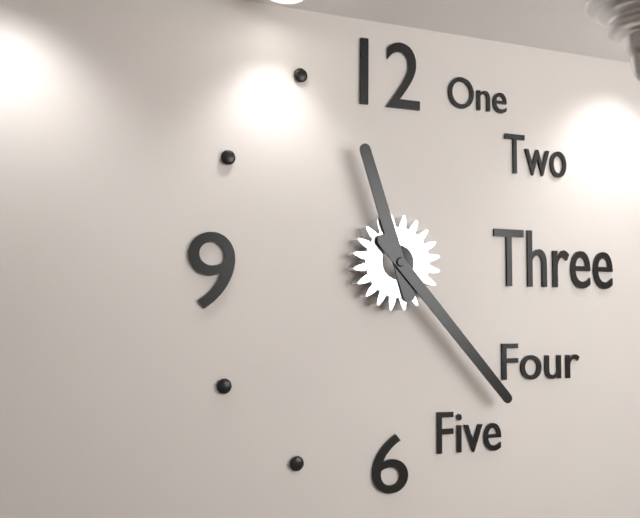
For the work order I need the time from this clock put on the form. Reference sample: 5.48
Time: 11.23
